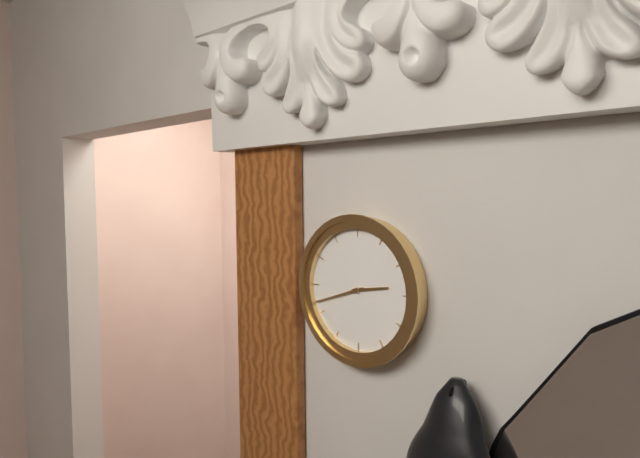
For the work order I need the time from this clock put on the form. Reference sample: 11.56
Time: 2.42
